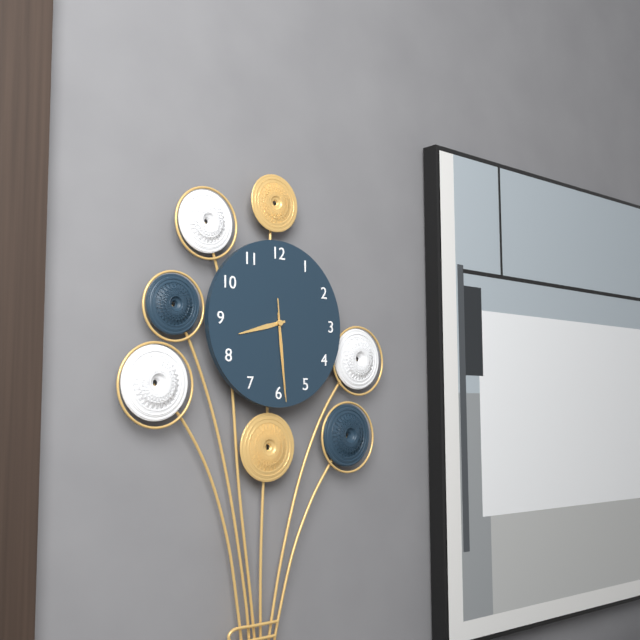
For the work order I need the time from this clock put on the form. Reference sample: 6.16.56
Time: 8.29.29
